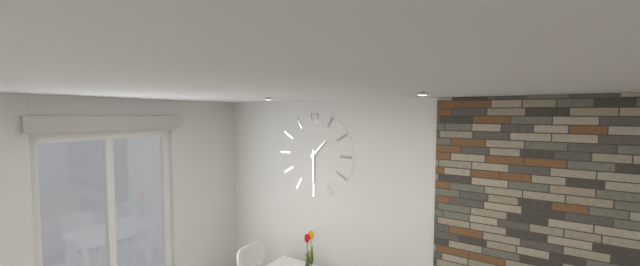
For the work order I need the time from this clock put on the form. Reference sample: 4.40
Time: 1.30
